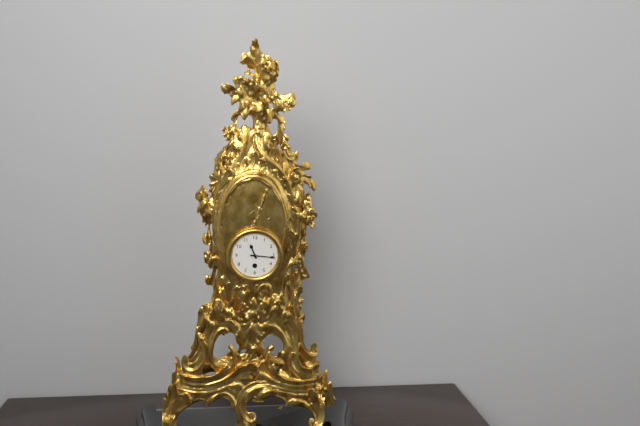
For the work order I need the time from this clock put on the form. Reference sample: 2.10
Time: 11.16
